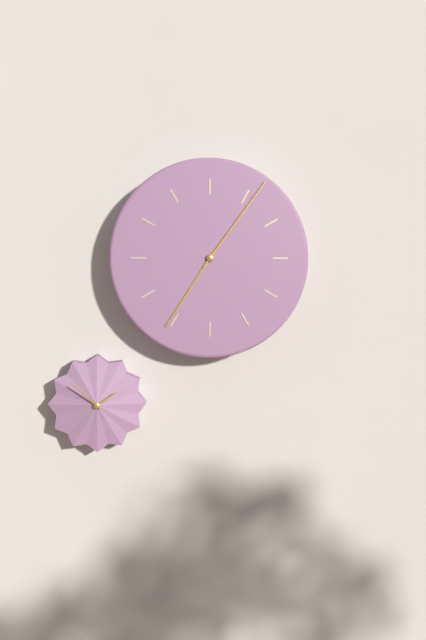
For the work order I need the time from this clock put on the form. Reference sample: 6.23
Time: 7.06
